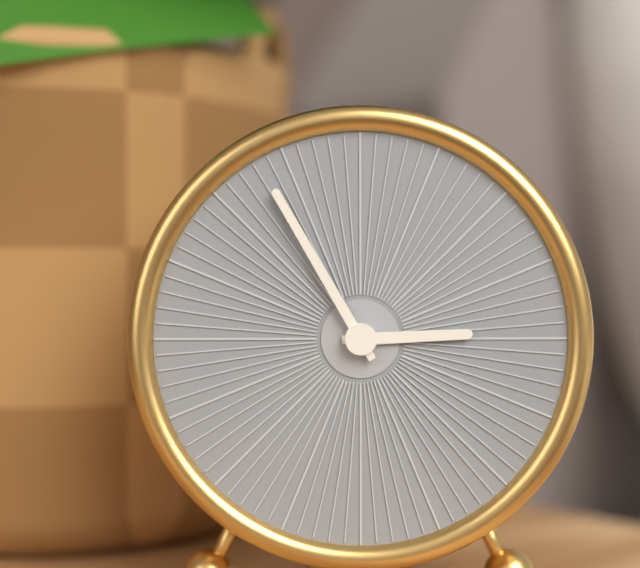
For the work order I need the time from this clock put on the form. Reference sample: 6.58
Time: 2.55
